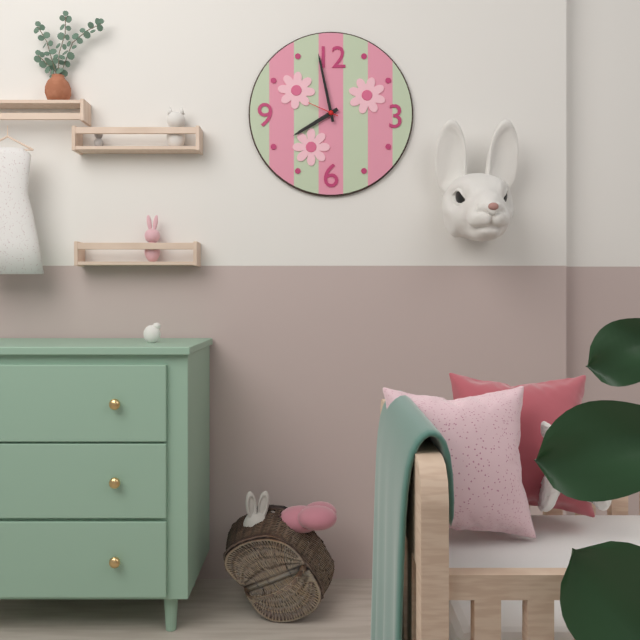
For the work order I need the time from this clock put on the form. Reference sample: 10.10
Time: 7.58
